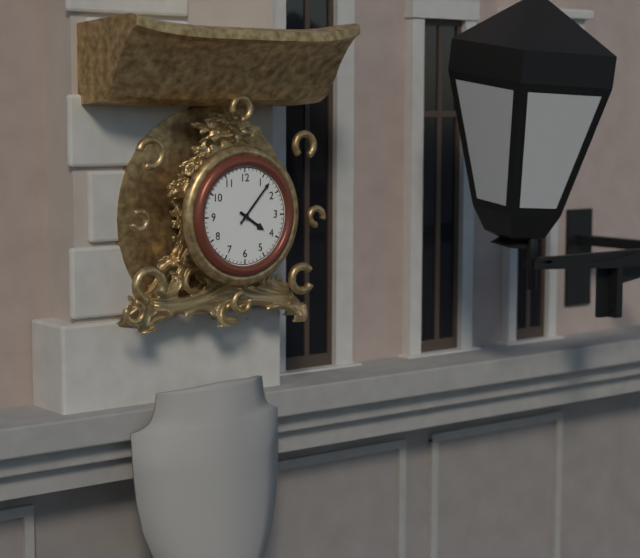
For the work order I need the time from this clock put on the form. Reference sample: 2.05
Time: 4.07
